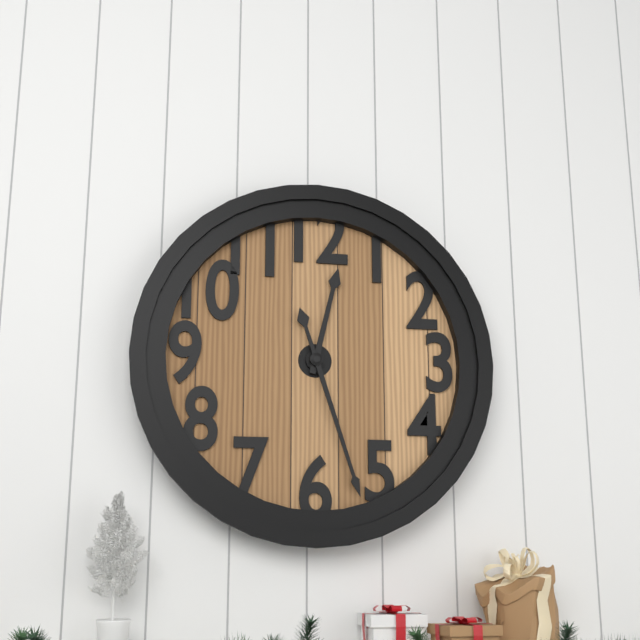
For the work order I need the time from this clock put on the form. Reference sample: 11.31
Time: 12.27
